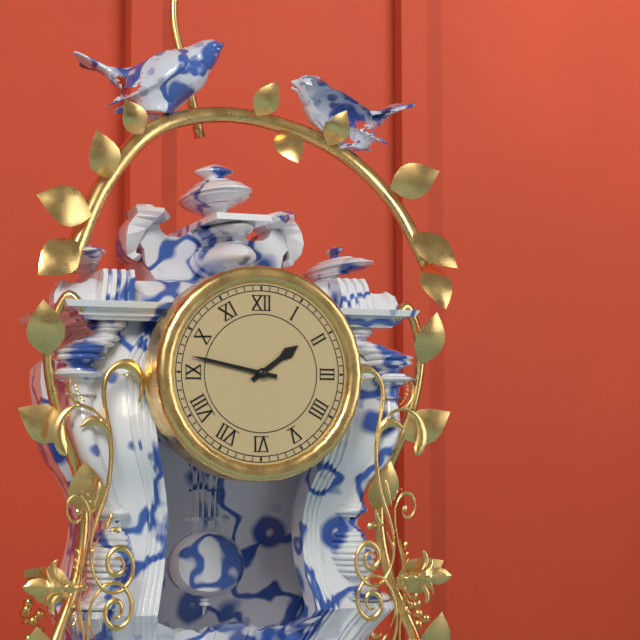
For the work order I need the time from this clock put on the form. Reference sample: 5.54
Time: 1.47
